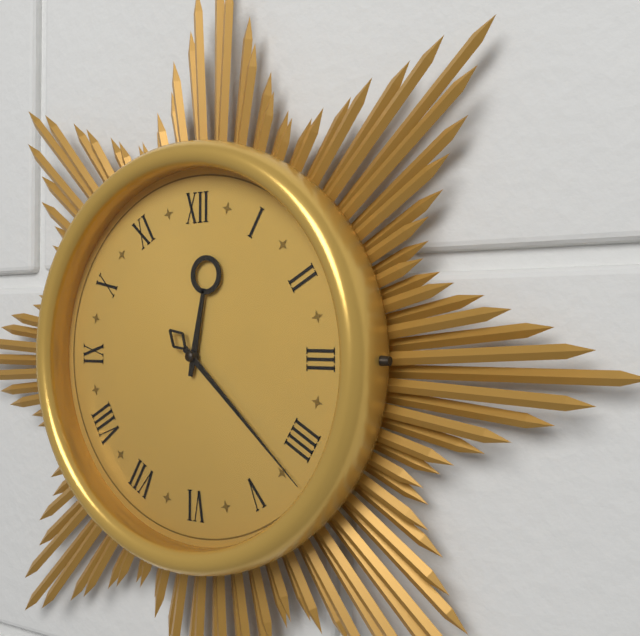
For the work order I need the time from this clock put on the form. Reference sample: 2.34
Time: 12.22
